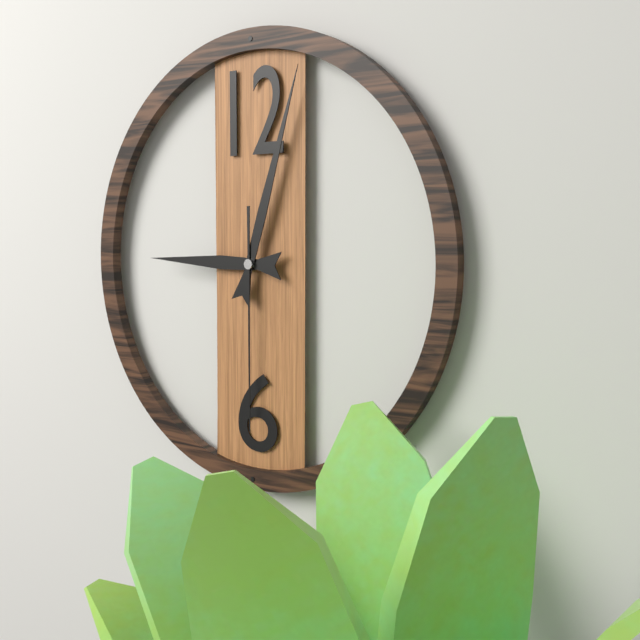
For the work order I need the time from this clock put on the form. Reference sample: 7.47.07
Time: 9.03.30
